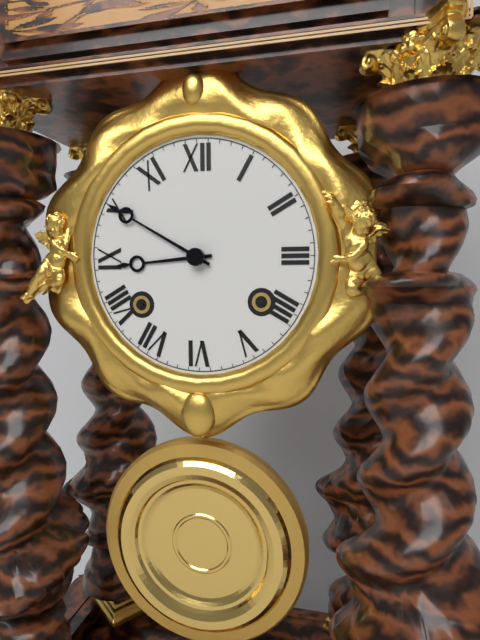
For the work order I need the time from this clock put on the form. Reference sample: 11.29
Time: 8.50
